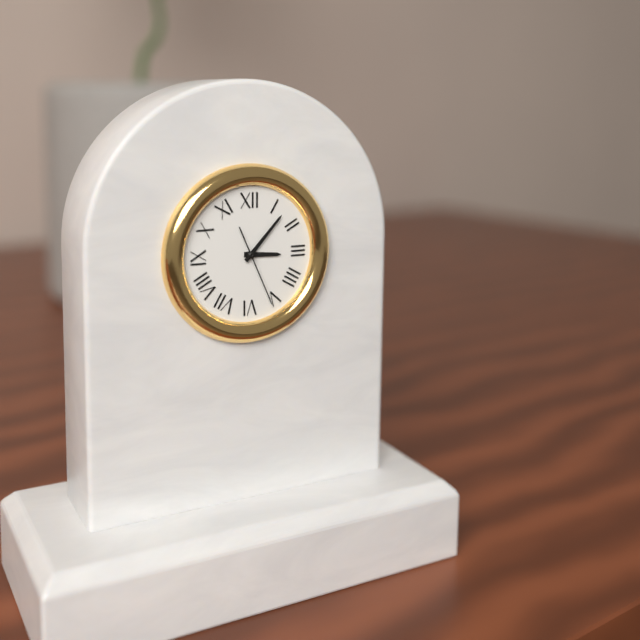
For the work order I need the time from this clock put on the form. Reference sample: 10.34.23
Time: 3.07.26
